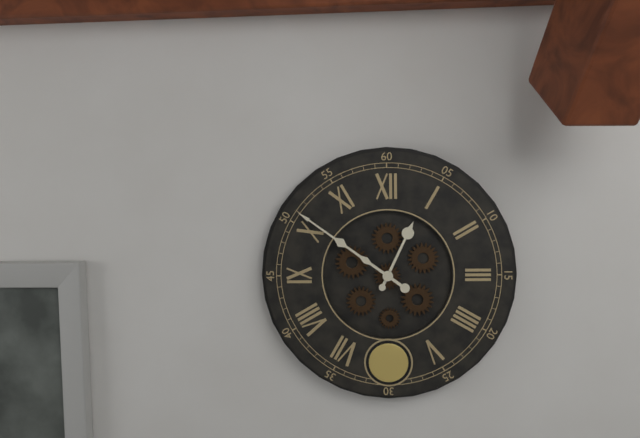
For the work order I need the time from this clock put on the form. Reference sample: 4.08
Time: 12.51
